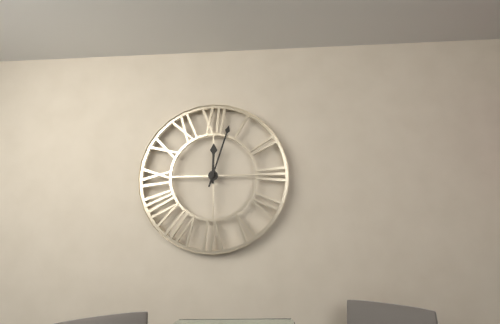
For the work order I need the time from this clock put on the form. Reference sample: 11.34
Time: 12.03
